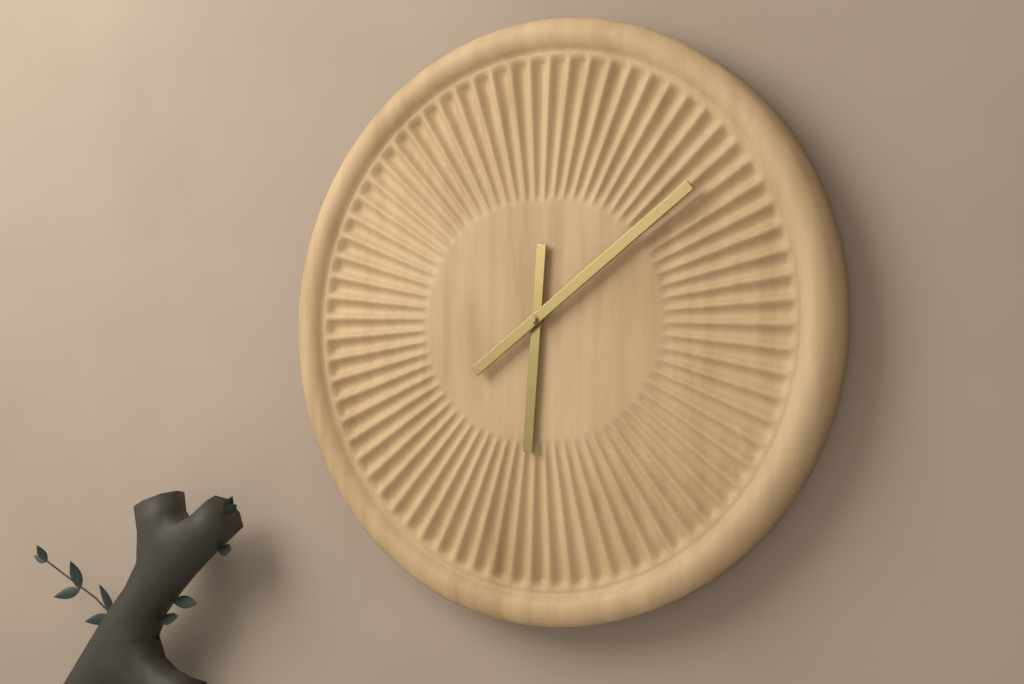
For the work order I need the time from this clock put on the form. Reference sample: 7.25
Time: 6.09
